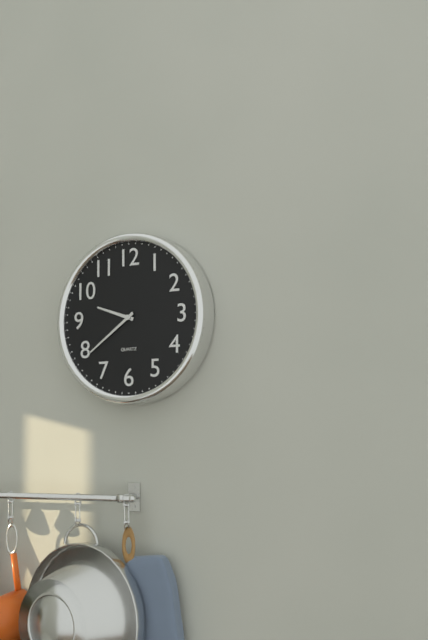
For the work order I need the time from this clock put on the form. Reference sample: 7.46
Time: 9.39
